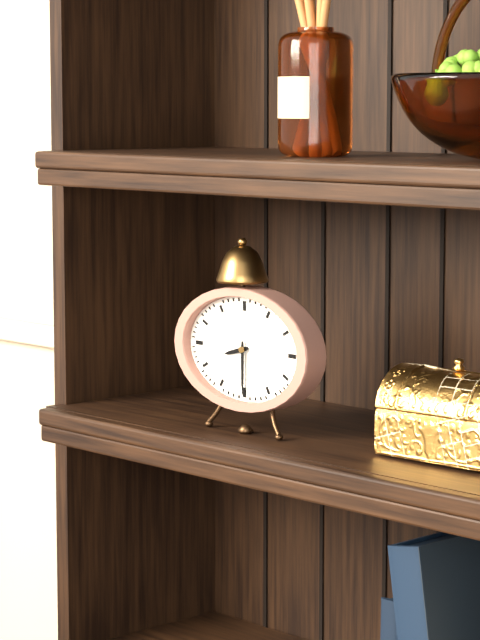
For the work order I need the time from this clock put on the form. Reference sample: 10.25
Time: 8.30
